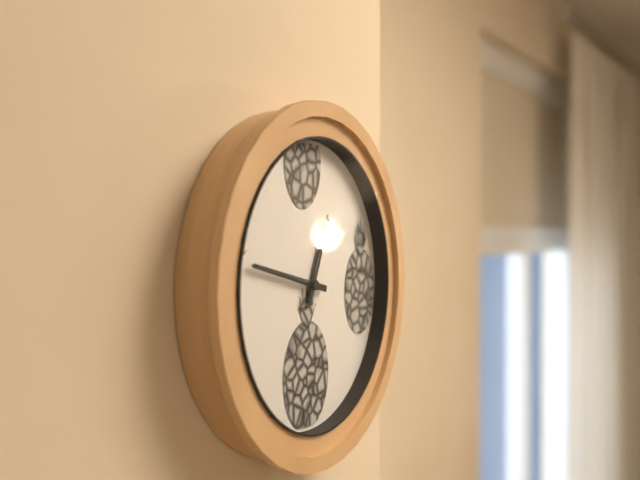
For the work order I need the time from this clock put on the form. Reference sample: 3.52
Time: 12.47
